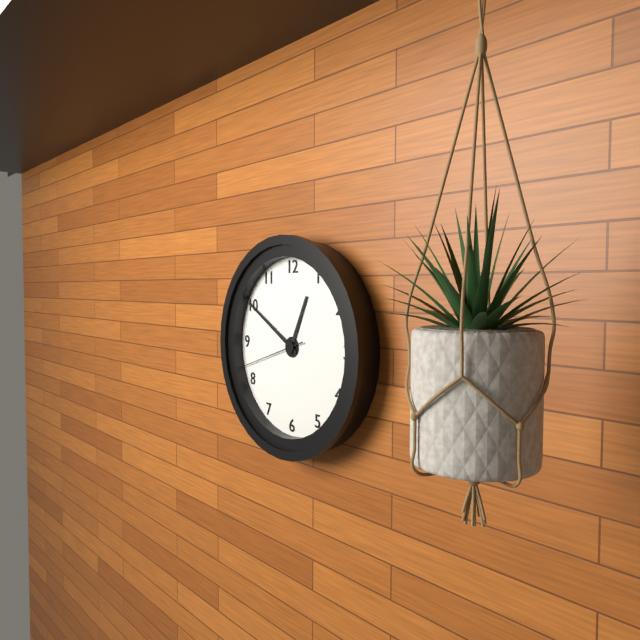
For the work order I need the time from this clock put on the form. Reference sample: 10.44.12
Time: 12.50.42
